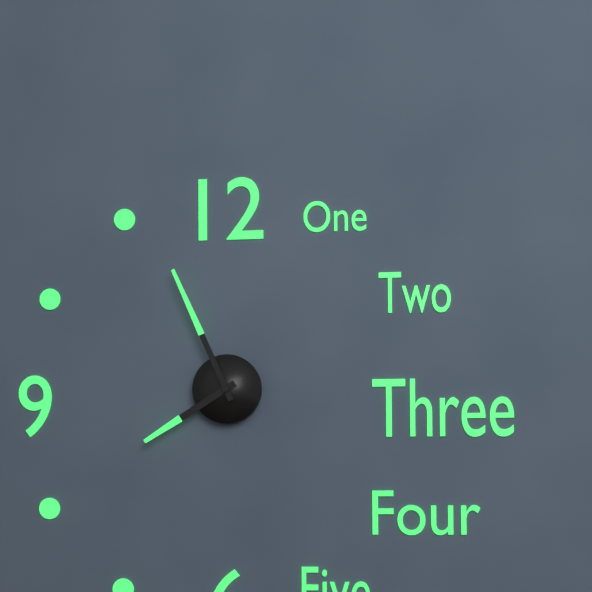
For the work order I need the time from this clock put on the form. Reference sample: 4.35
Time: 7.56
